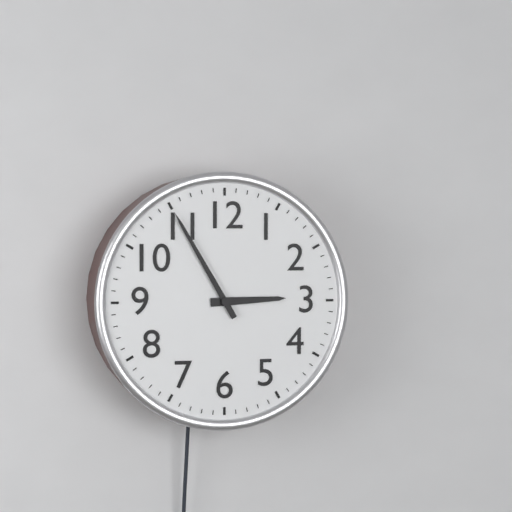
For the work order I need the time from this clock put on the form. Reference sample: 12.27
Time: 2.55
